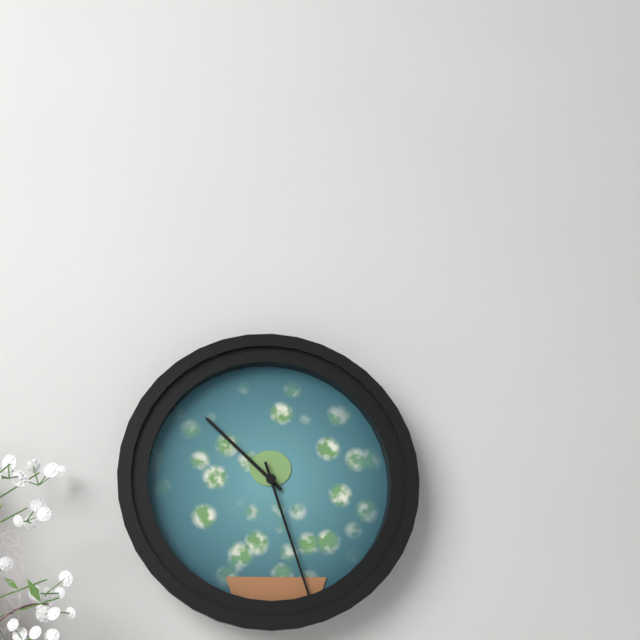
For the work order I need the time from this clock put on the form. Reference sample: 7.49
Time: 10.27
